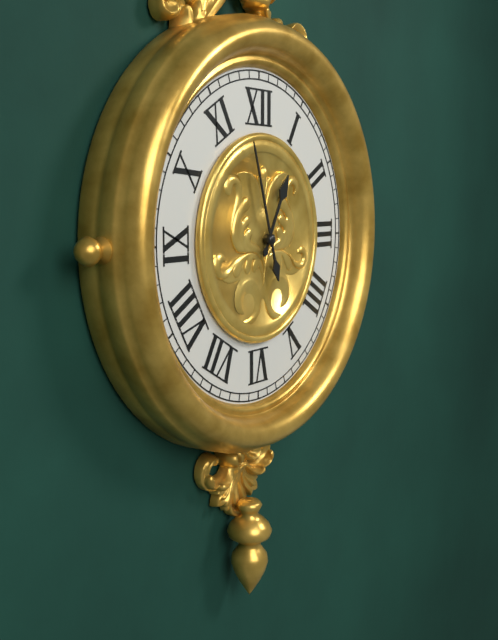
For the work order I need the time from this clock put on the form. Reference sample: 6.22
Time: 12.57
